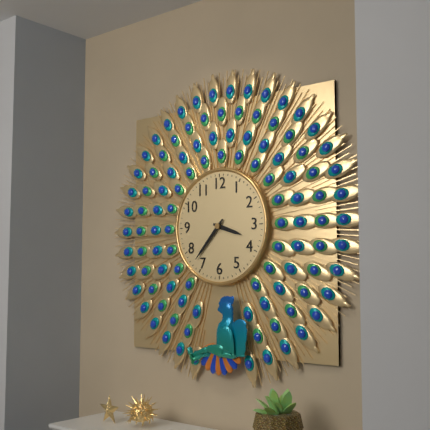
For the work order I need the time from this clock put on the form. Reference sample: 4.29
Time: 3.37
